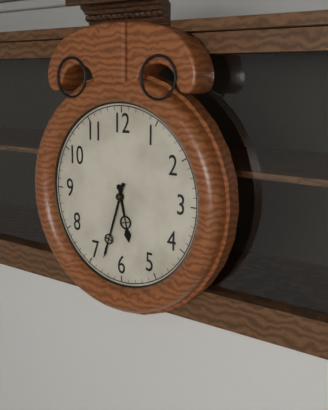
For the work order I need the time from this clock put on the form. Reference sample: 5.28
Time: 5.33
